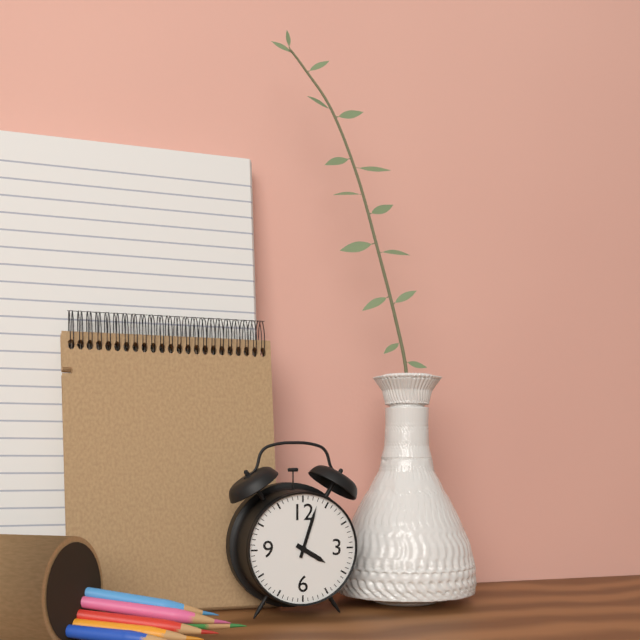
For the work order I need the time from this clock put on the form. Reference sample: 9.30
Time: 4.03
